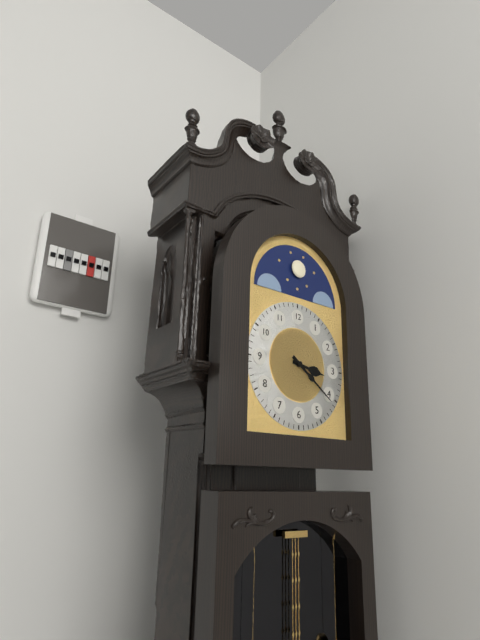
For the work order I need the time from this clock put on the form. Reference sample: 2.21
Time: 3.21
